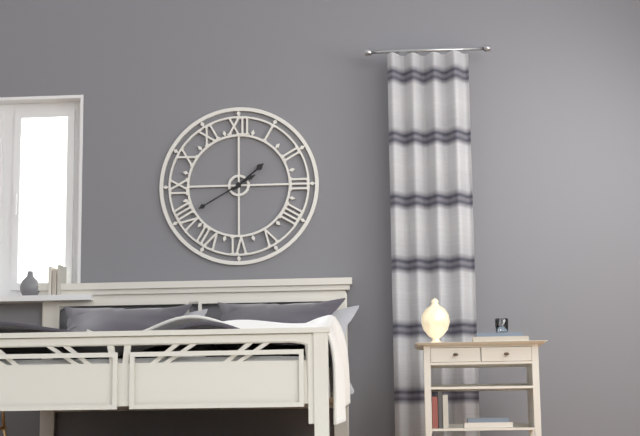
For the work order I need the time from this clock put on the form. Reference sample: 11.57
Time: 1.40
